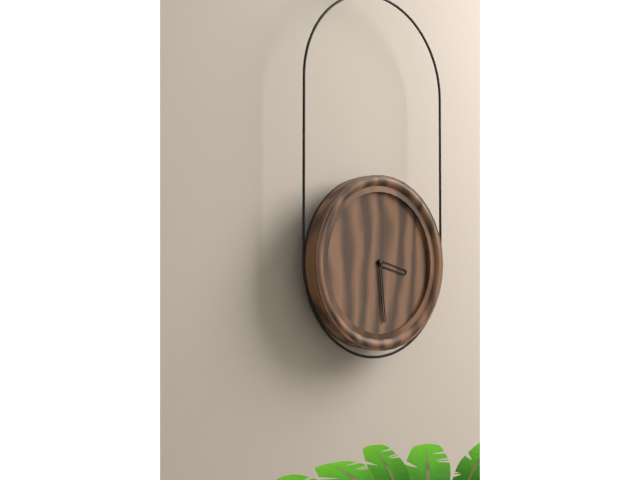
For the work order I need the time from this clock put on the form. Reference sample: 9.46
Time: 3.29
